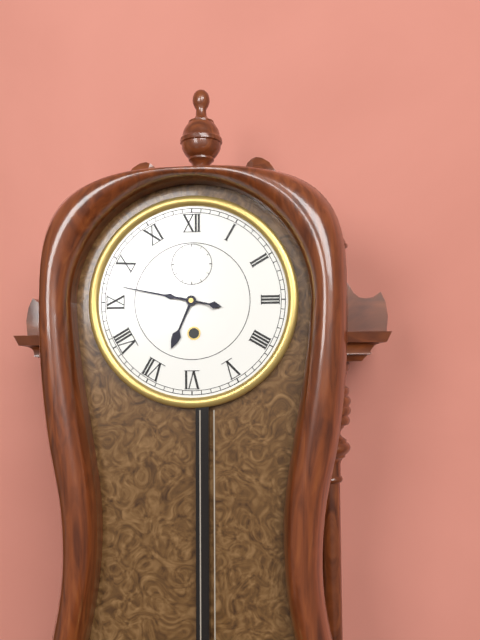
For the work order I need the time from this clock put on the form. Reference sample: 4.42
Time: 6.47
